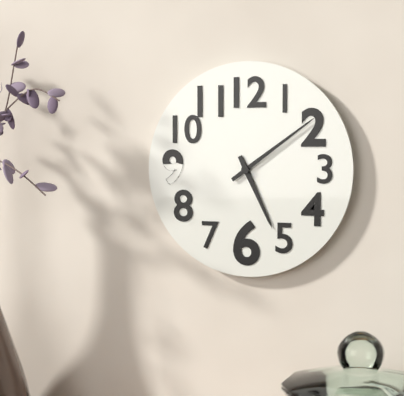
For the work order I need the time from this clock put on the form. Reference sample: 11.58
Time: 5.09
